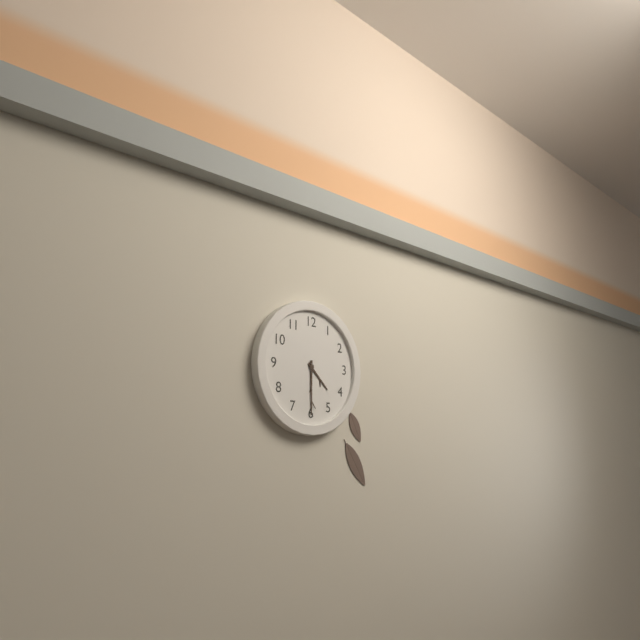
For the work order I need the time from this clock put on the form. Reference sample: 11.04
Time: 4.30
